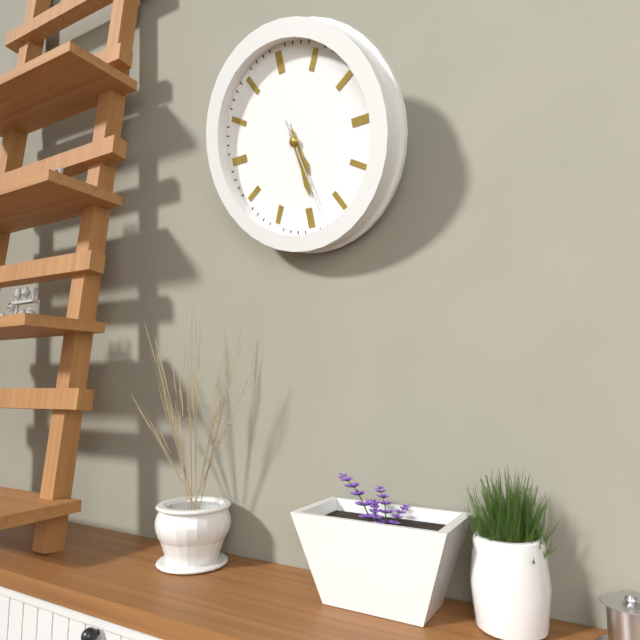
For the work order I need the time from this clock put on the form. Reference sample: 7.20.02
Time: 5.29.28
